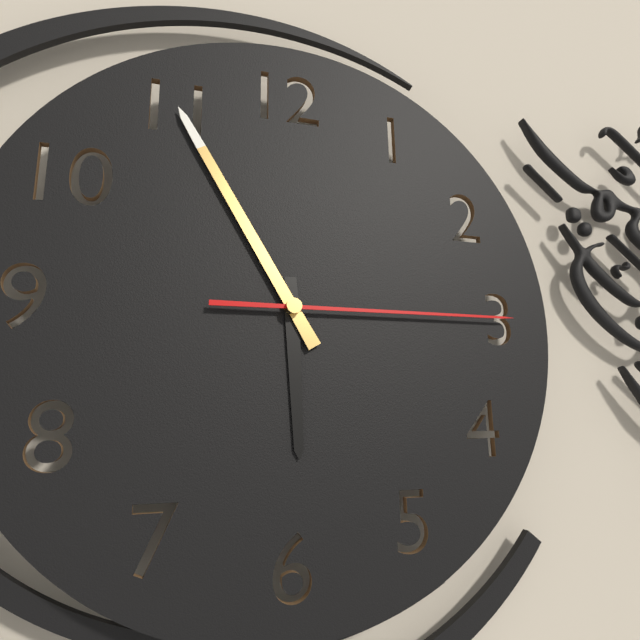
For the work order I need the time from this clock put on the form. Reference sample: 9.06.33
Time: 5.55.15
